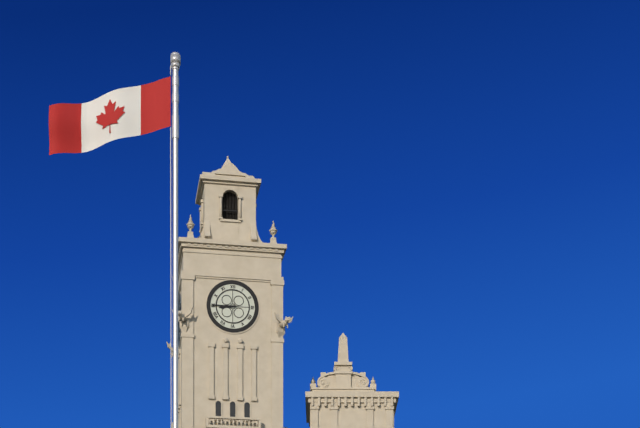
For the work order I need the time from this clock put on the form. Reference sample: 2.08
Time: 8.45
